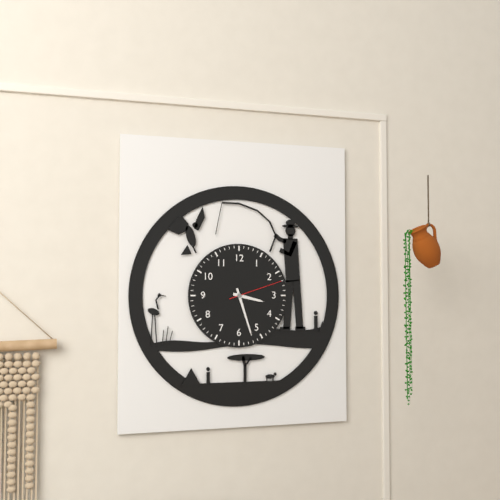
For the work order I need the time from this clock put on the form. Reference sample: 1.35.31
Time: 3.27.12
